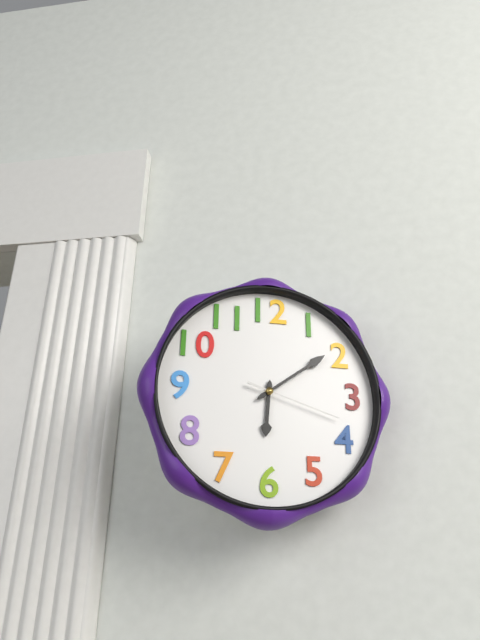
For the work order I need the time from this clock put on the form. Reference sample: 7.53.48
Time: 6.09.18
